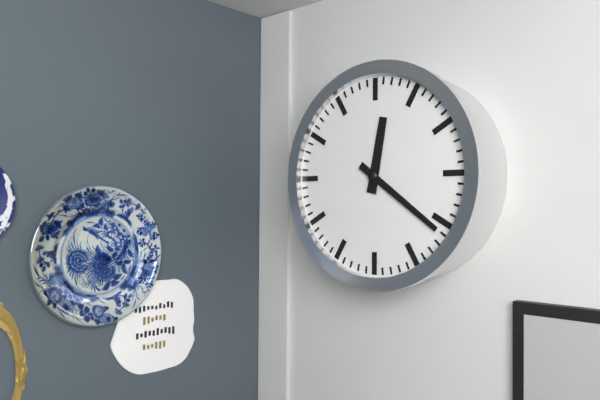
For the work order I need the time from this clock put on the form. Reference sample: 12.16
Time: 12.21
